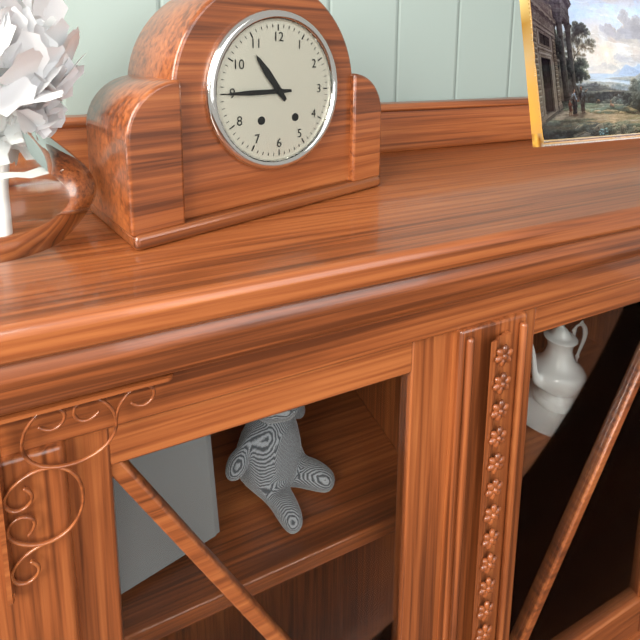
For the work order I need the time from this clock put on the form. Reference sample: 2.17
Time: 10.45
